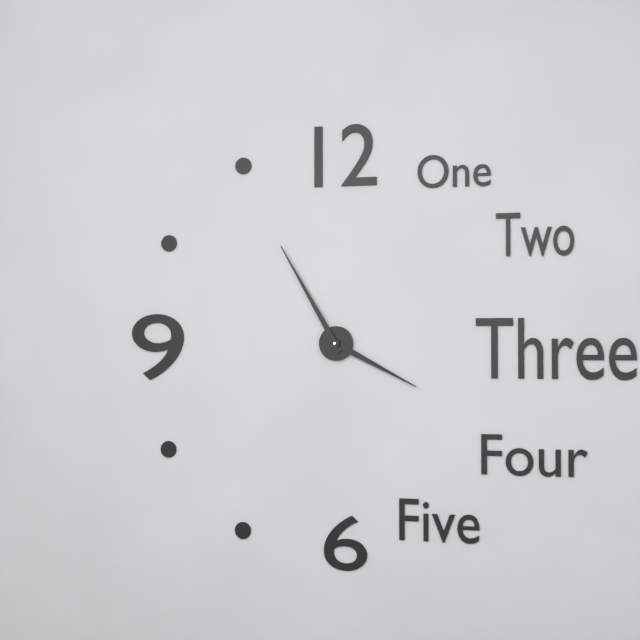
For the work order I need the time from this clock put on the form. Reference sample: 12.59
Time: 3.55
